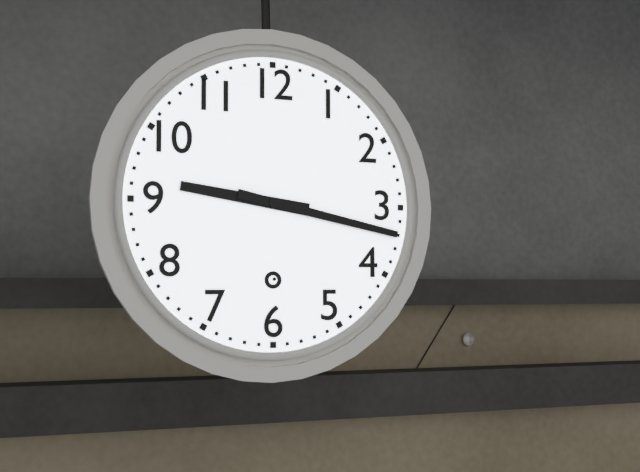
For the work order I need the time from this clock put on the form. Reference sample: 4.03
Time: 9.17
